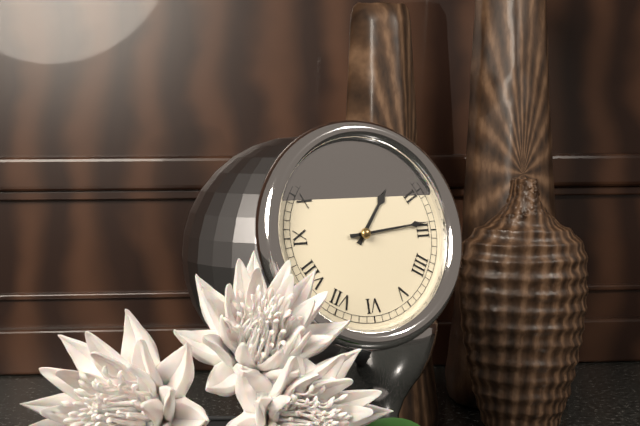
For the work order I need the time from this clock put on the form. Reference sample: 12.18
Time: 1.14
